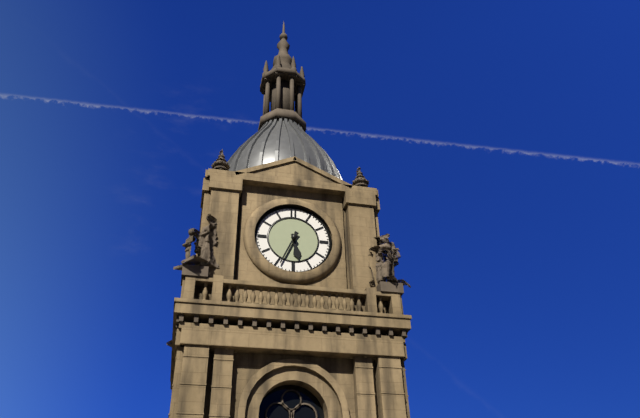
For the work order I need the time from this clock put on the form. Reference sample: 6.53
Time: 5.34
